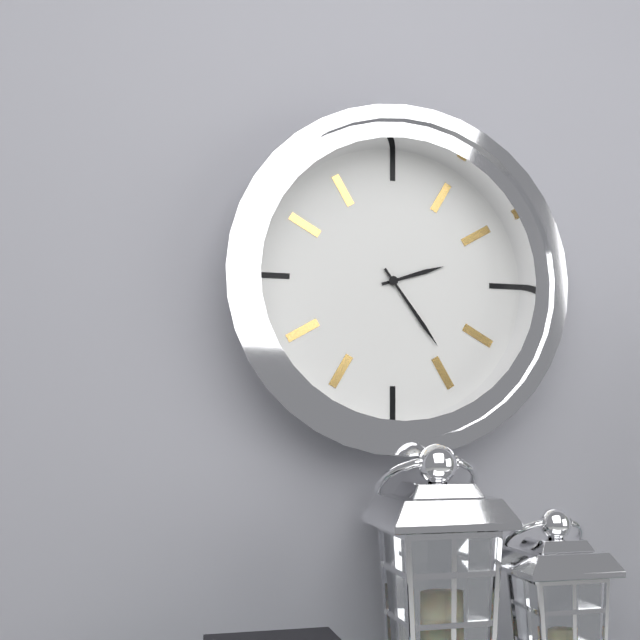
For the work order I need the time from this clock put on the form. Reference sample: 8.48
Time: 2.24
